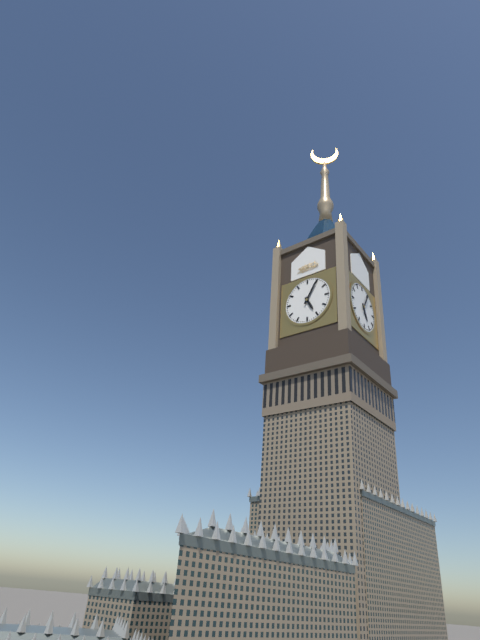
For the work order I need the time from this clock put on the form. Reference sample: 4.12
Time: 5.05
